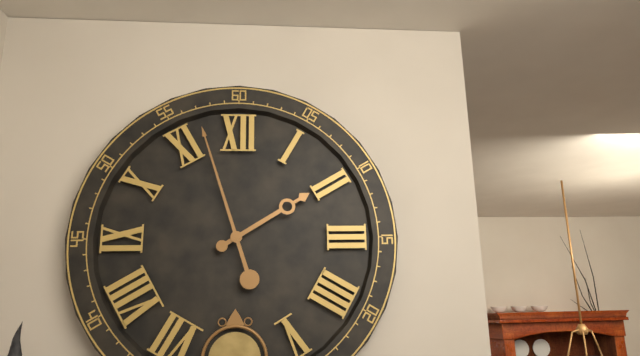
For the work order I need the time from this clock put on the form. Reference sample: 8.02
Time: 1.57
